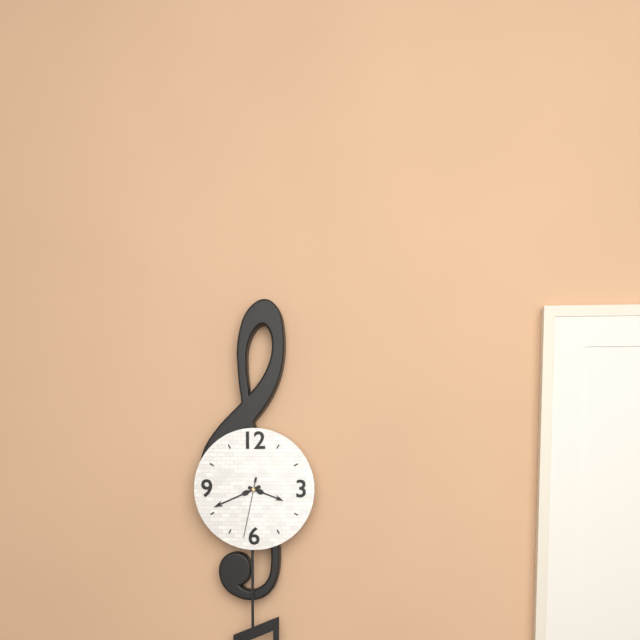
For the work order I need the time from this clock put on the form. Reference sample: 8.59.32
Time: 3.41.32
